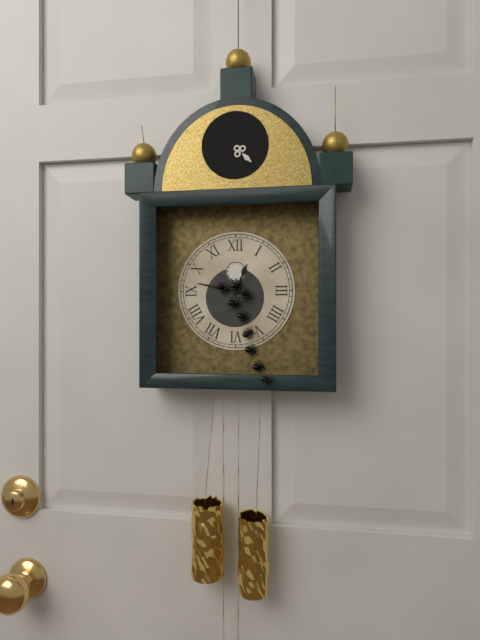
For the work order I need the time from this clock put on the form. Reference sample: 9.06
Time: 12.47
